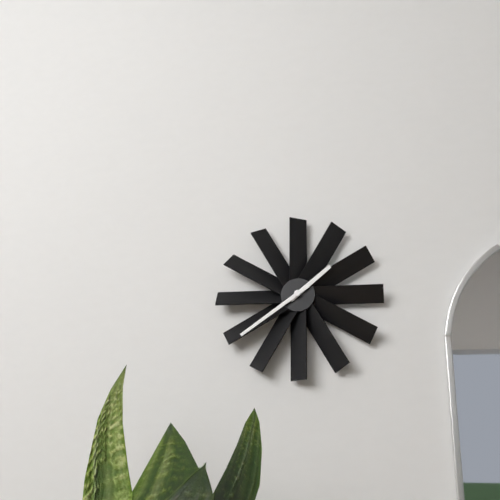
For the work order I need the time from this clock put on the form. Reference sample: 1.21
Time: 1.39
